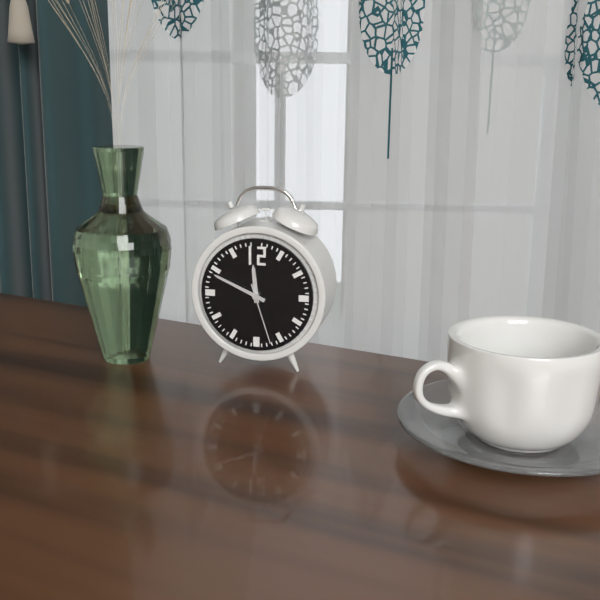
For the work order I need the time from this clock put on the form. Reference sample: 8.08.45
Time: 11.49.27
